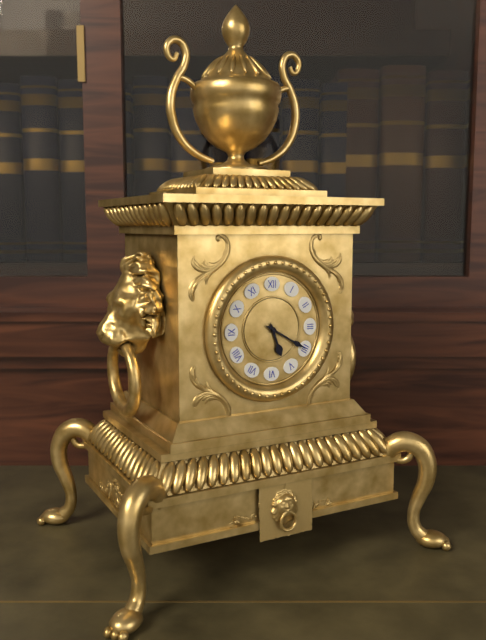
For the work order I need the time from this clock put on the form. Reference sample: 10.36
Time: 5.20
